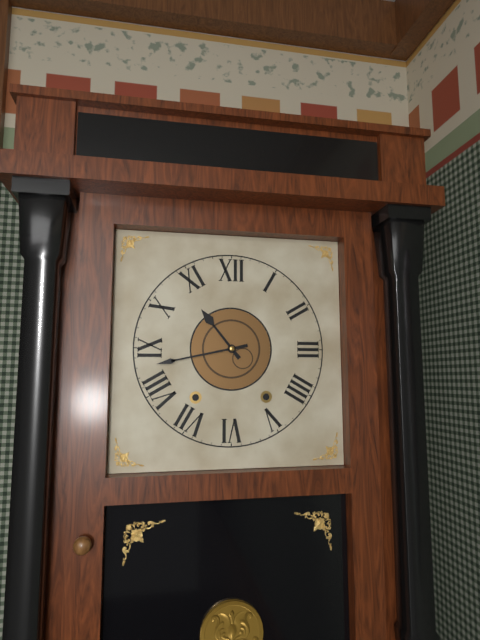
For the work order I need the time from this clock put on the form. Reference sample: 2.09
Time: 10.43
